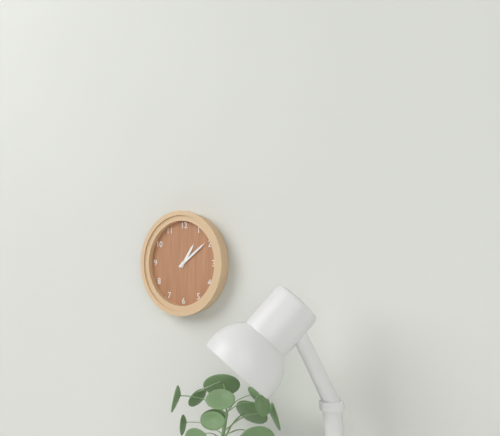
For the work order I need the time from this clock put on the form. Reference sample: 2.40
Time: 1.09
